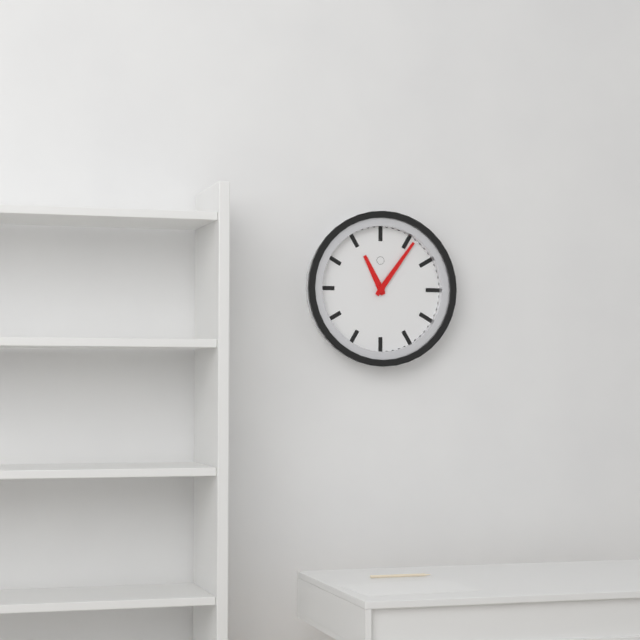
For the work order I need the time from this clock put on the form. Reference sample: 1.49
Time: 11.06
